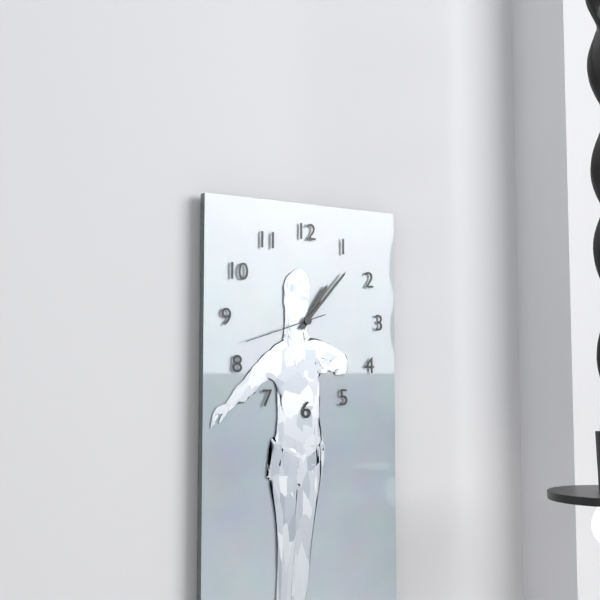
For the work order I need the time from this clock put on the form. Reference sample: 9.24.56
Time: 1.07.42
